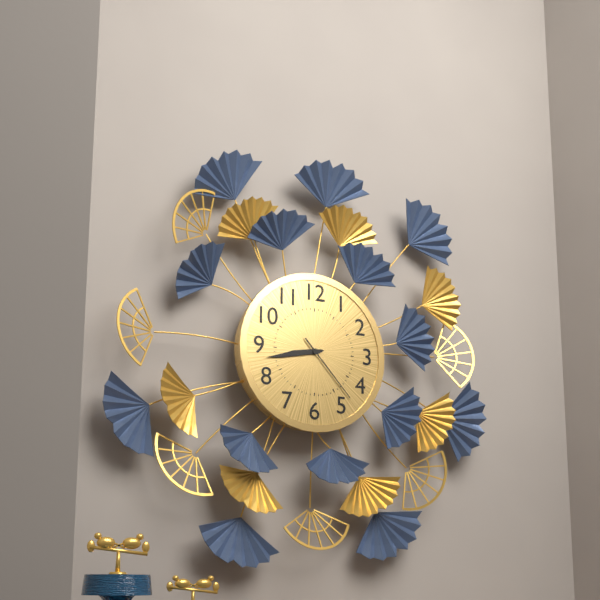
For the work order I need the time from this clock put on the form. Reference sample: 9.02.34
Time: 8.43.23
